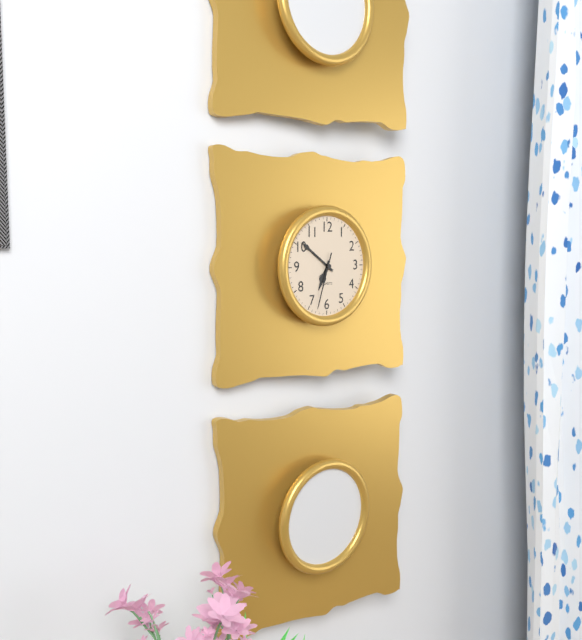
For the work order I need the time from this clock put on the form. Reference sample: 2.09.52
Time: 6.51.33
